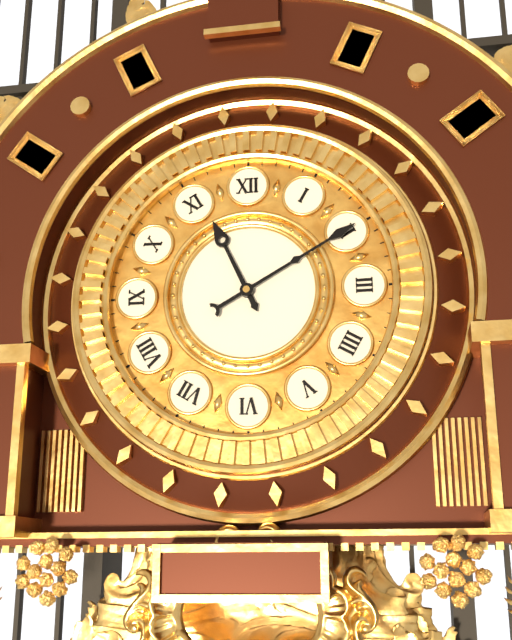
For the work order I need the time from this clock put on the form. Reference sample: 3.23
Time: 11.10
